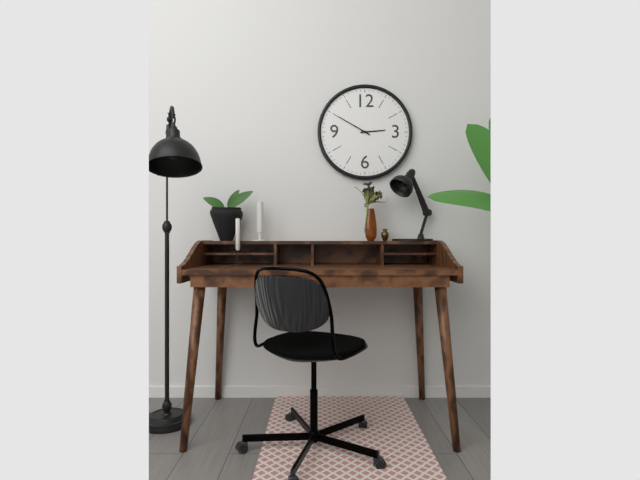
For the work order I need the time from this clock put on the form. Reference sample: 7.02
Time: 2.50
